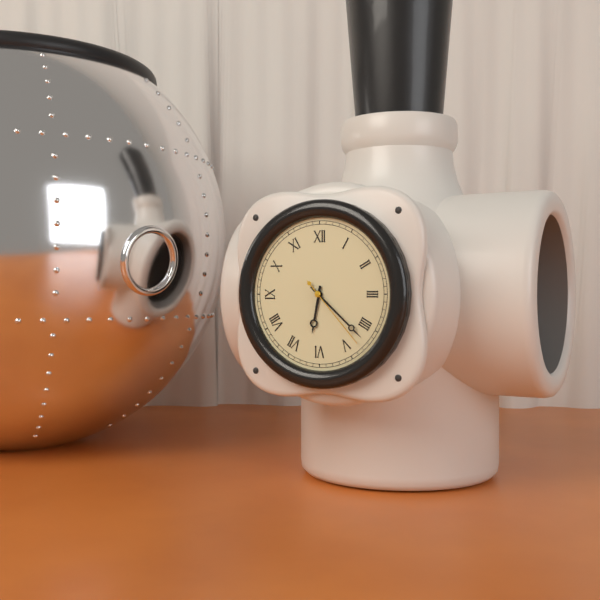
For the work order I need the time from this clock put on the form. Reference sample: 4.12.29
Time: 6.22.23
